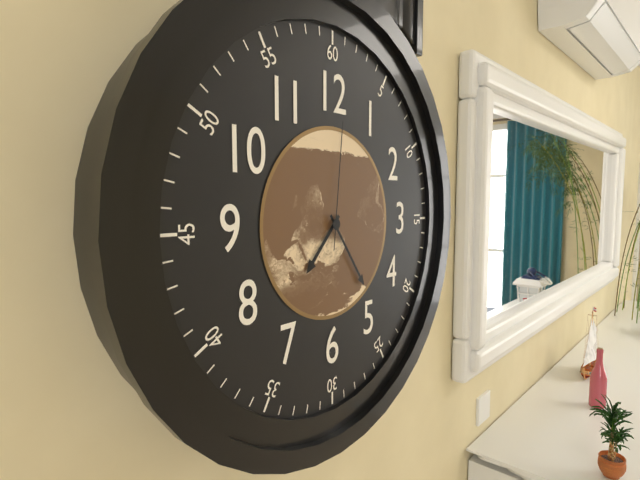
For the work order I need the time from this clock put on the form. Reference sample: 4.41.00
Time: 7.24.01
